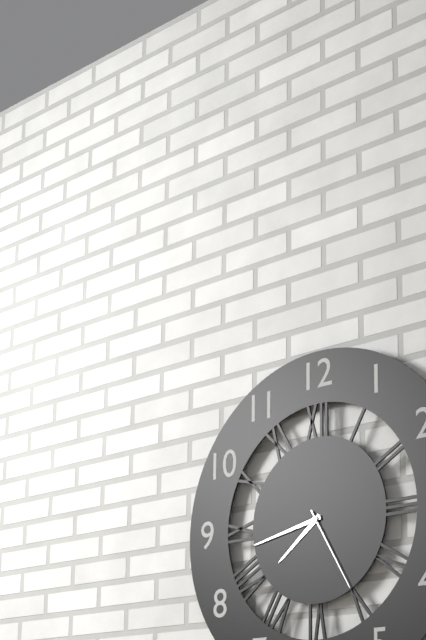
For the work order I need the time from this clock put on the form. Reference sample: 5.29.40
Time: 7.43.25
